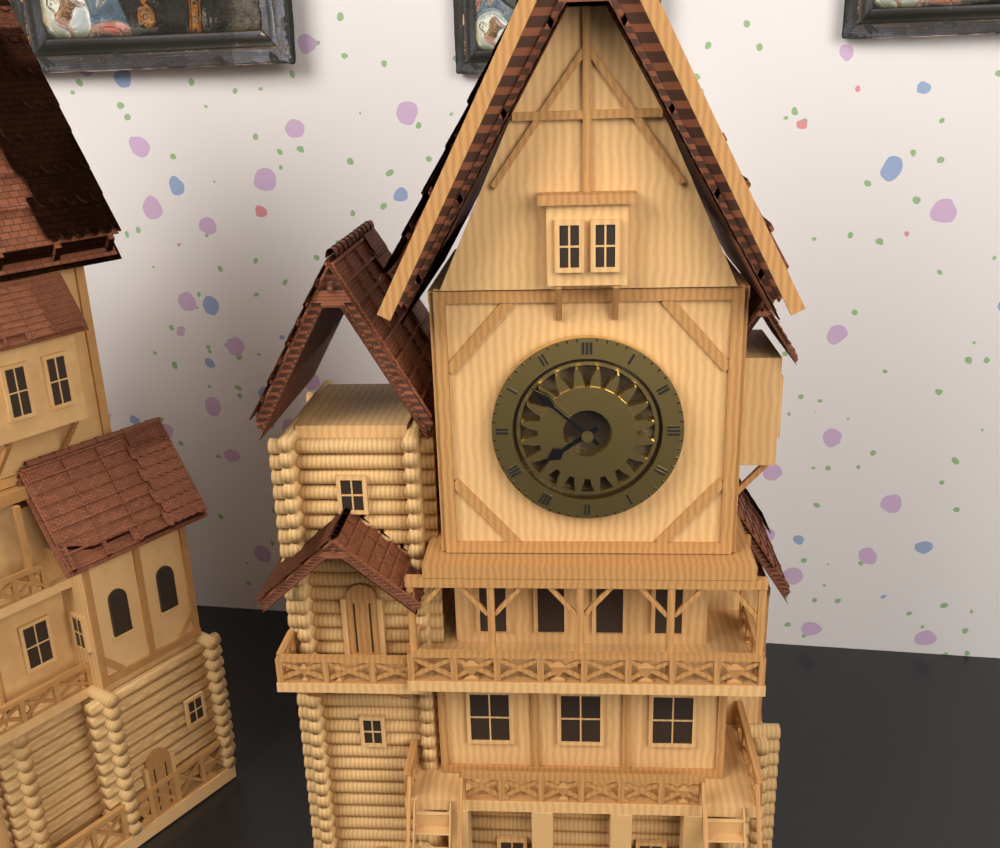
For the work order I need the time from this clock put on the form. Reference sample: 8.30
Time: 7.52
